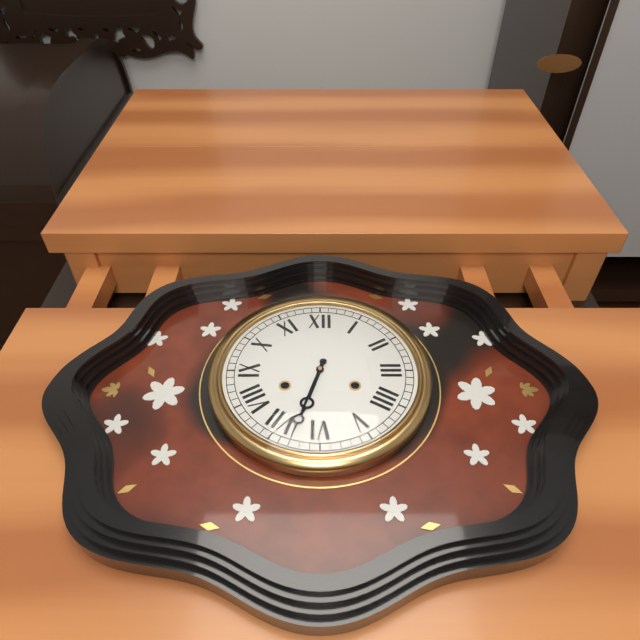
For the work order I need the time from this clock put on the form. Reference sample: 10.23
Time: 6.33
